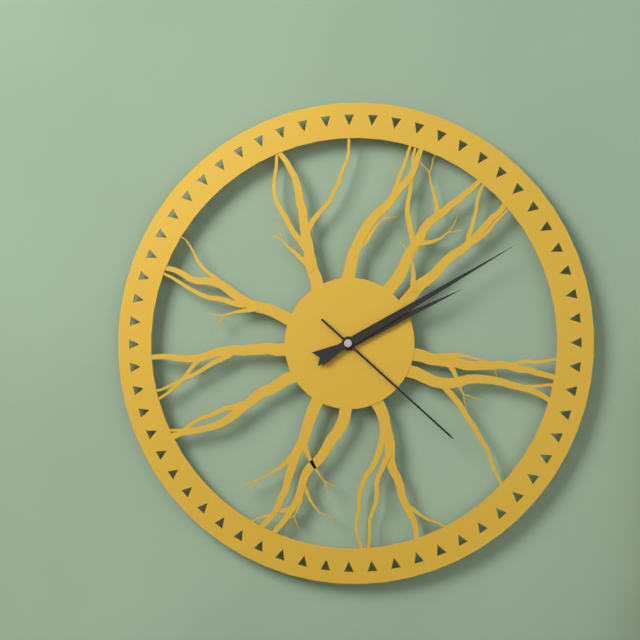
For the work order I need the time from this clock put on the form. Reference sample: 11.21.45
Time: 2.10.22
